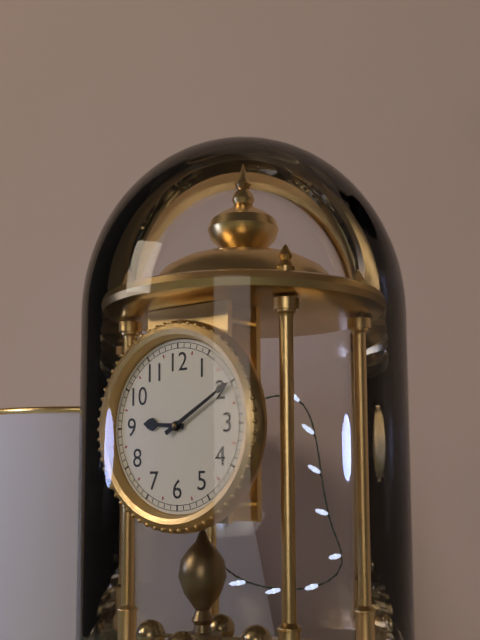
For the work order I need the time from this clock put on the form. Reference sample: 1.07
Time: 9.10
